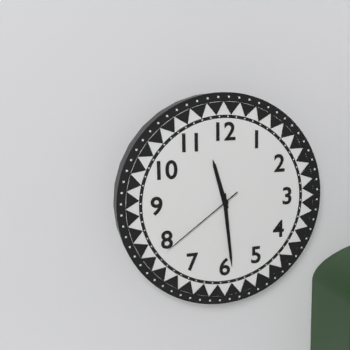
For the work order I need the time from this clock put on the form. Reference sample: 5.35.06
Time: 11.29.39
